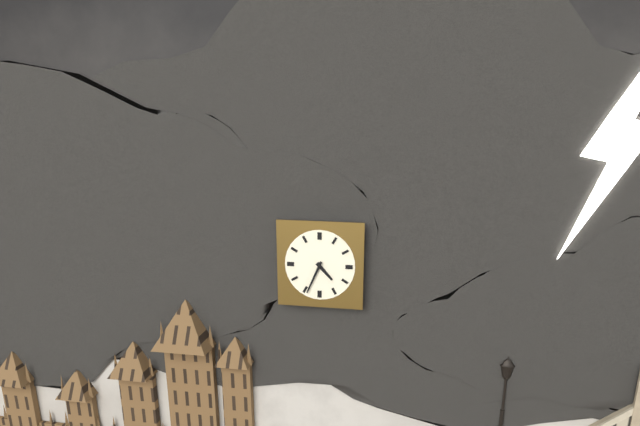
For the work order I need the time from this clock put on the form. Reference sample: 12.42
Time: 4.34
